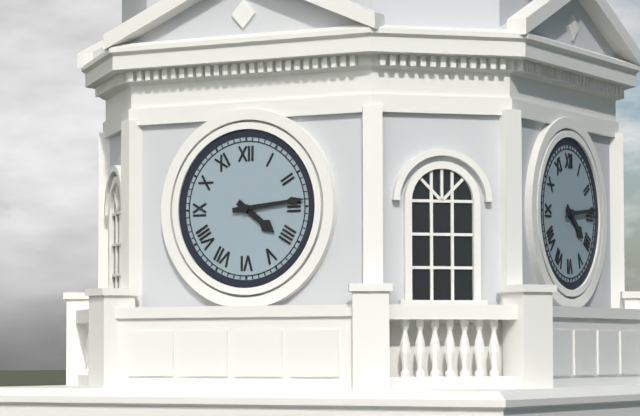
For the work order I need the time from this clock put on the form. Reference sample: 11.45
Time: 4.14
